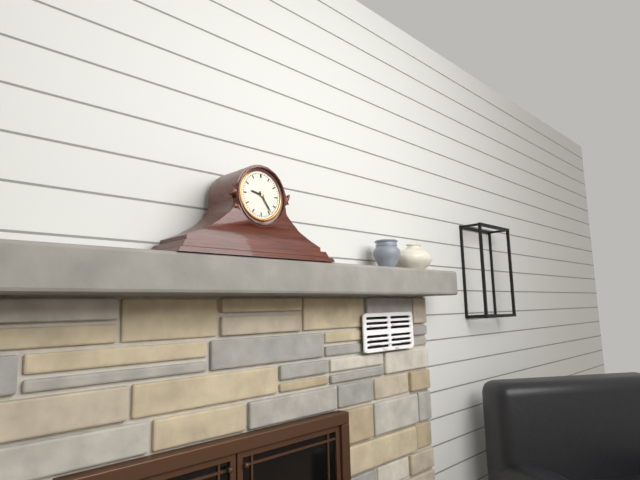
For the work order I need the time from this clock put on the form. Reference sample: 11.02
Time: 9.24
